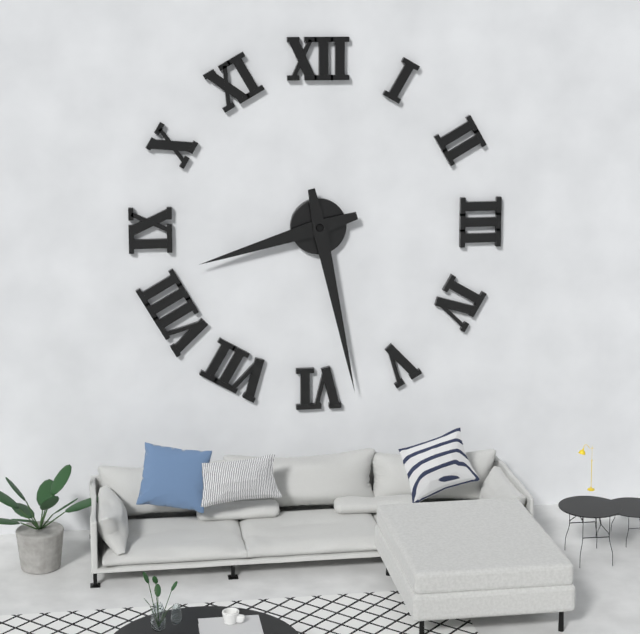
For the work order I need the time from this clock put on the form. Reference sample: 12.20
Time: 8.28
